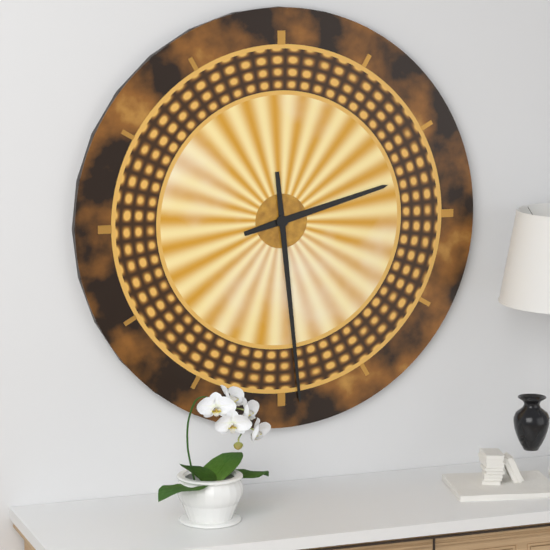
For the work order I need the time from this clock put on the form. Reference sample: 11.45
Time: 2.29
